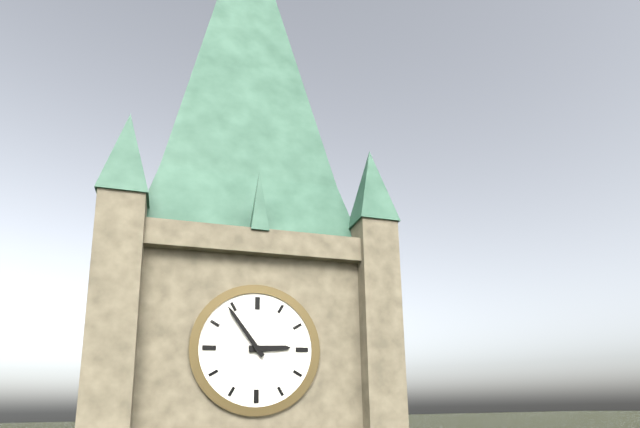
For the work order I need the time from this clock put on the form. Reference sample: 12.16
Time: 2.54
